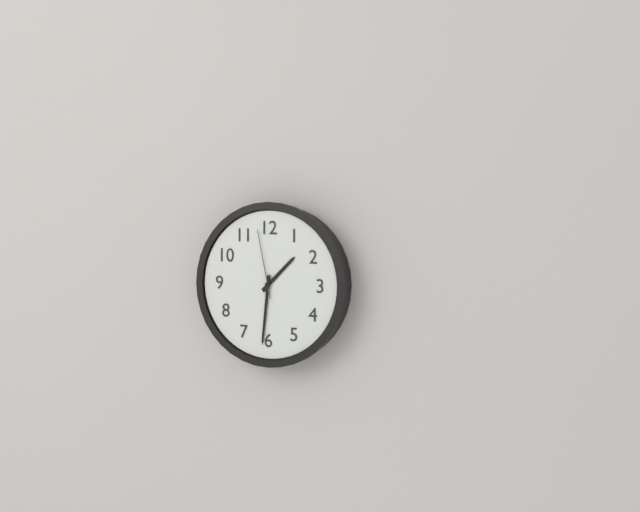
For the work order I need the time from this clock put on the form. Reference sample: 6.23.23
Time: 1.31.58
